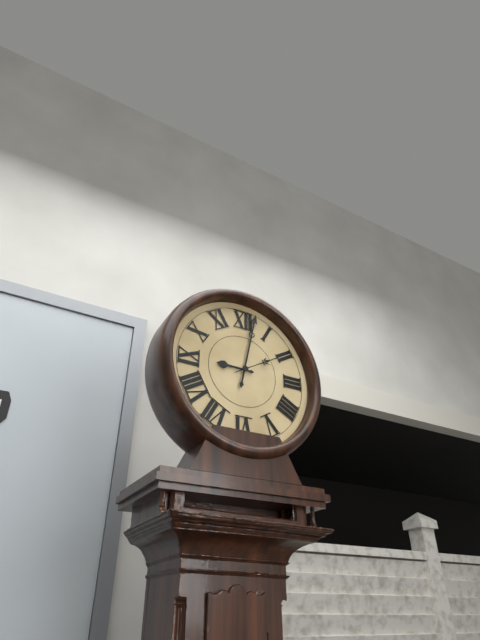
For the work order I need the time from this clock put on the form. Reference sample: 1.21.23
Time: 9.02.10
